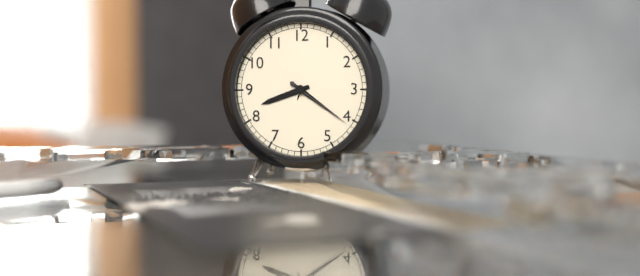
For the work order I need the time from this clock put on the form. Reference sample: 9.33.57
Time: 8.21.21
